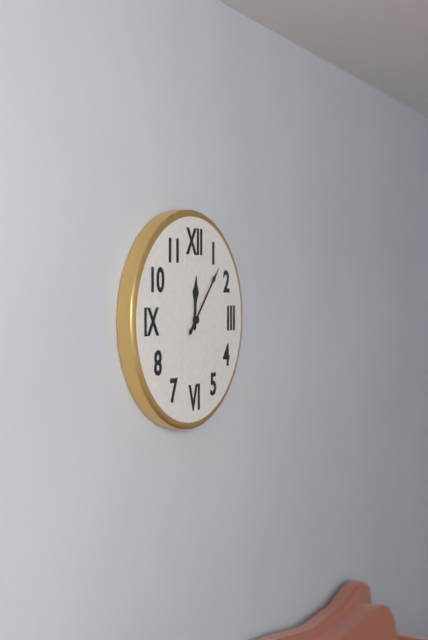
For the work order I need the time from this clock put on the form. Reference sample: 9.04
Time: 12.07
